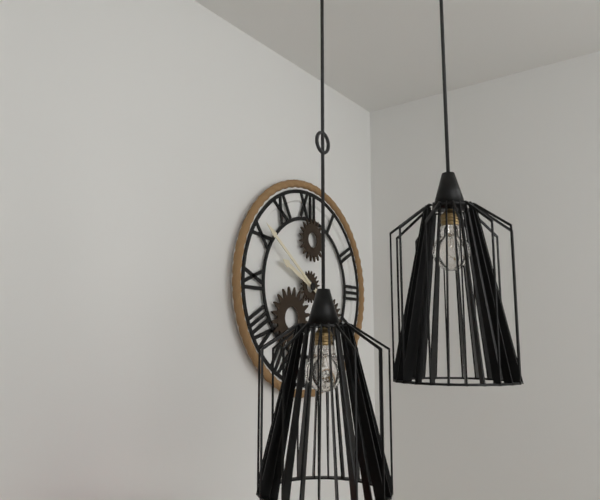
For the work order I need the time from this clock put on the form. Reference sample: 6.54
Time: 9.51
